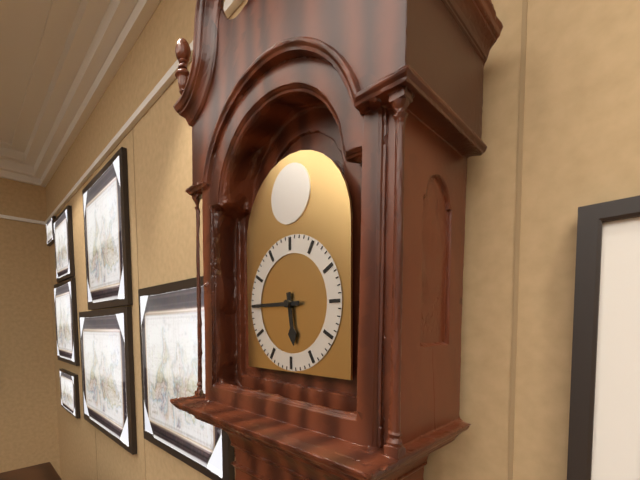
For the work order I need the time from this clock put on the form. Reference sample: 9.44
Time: 5.45
